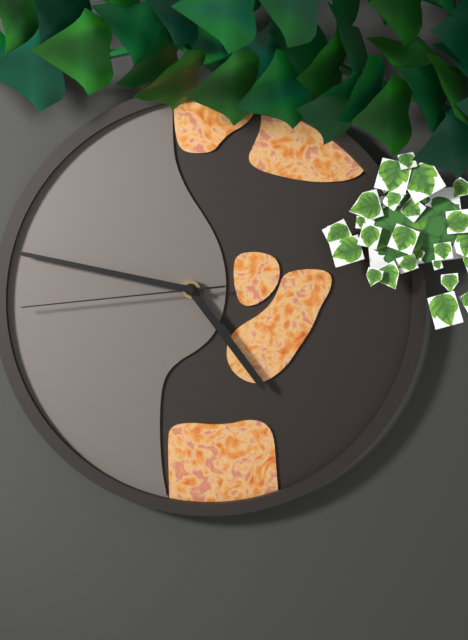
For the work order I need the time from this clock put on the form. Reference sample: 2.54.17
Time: 4.47.44
